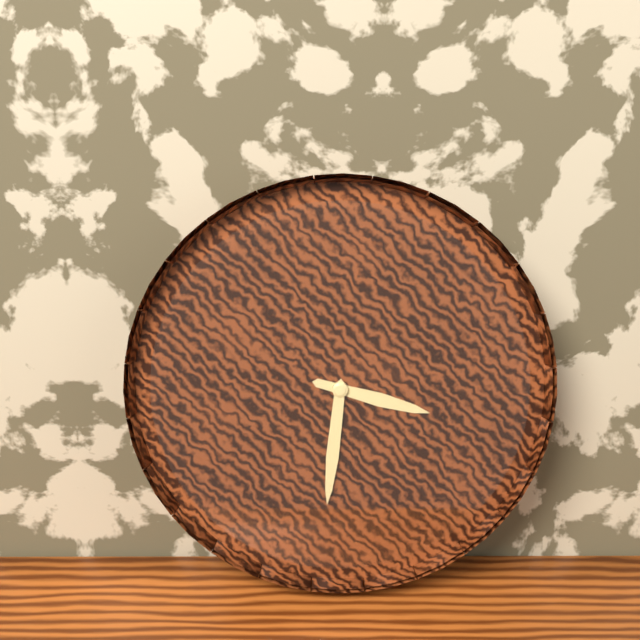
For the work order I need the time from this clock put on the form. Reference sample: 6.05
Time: 3.31
